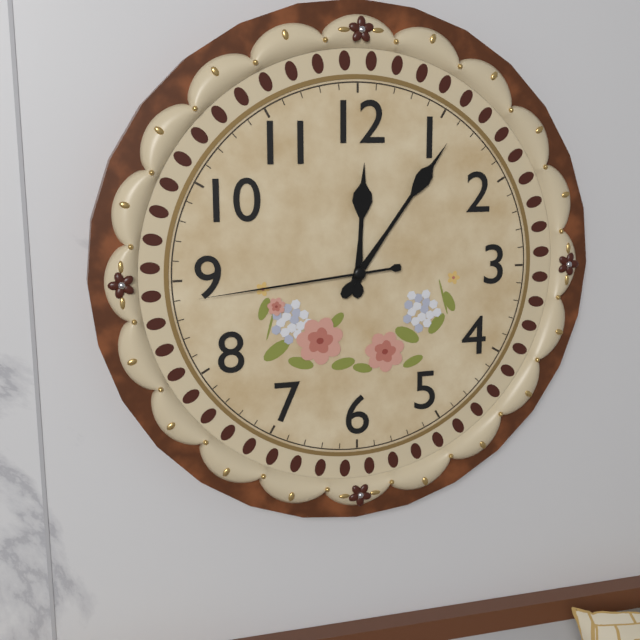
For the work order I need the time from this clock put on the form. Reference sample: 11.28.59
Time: 12.06.44
